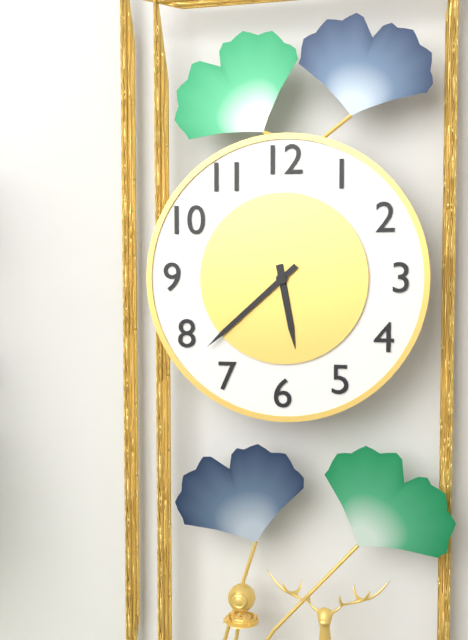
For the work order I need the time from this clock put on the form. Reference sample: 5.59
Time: 5.38
